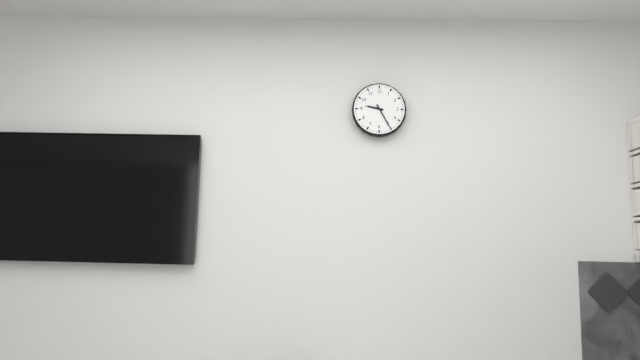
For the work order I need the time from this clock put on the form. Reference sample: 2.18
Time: 9.25
